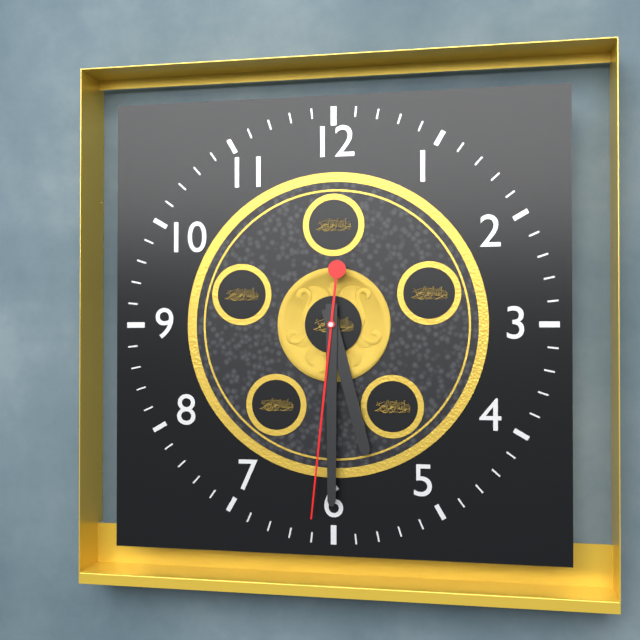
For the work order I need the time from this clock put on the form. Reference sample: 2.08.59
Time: 5.30.31
